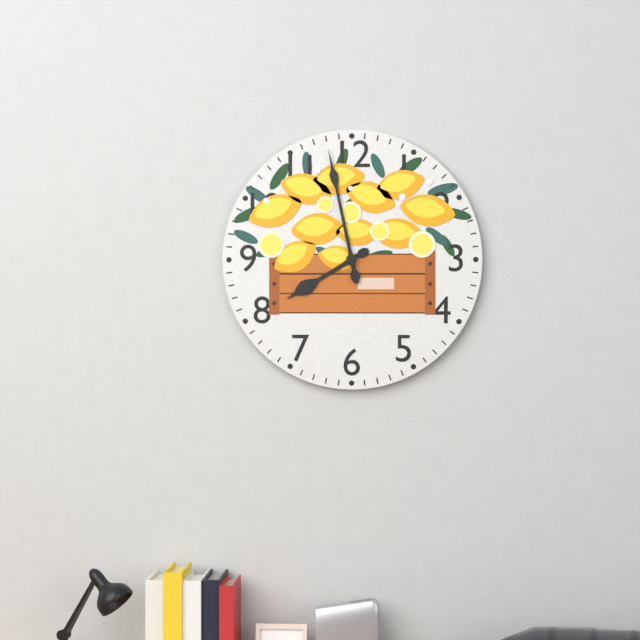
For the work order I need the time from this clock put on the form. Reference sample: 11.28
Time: 7.58
